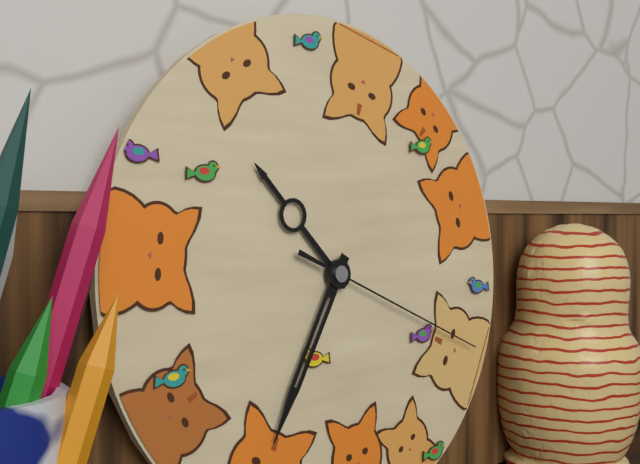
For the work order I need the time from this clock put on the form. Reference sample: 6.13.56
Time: 10.35.19
